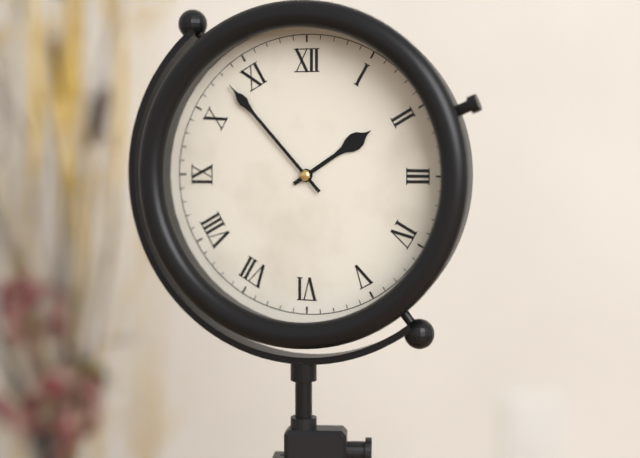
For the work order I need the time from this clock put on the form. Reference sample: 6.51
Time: 1.53
